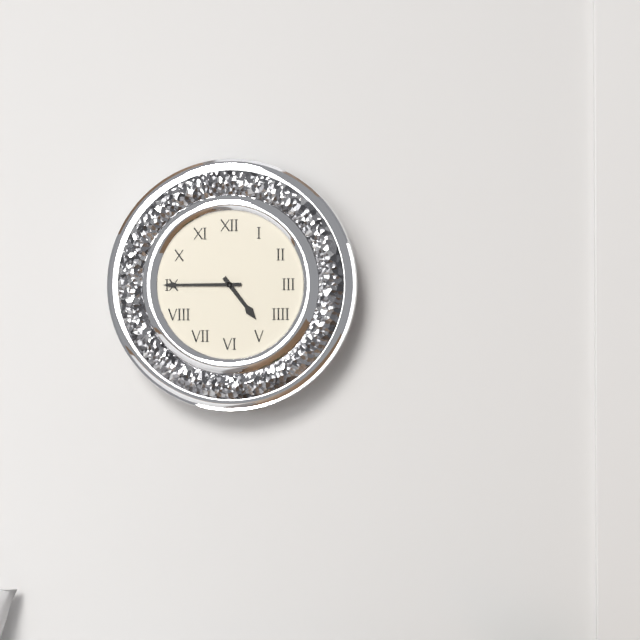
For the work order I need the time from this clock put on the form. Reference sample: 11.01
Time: 4.45
